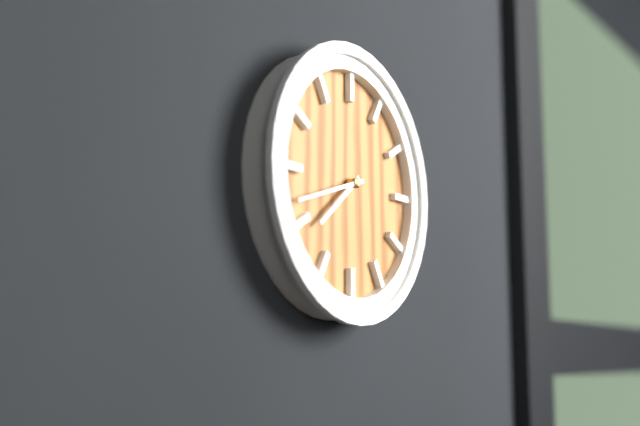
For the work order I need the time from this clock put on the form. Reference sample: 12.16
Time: 7.42
